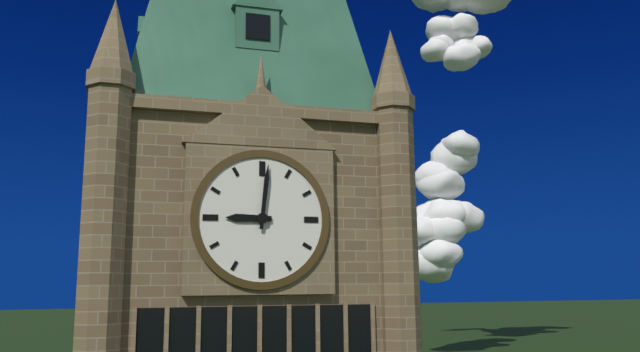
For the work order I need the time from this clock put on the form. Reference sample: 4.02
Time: 9.01
